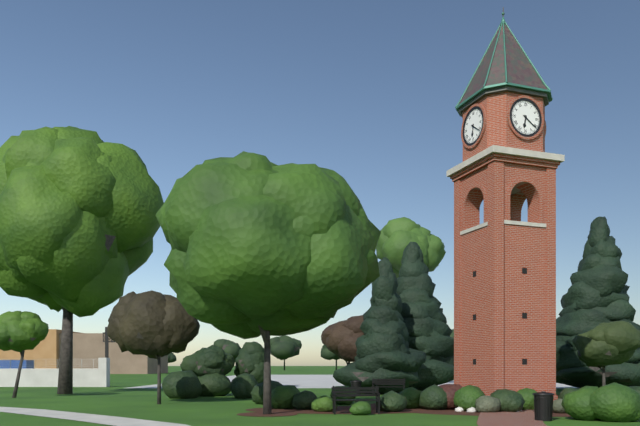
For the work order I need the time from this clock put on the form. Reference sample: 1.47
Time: 6.21
